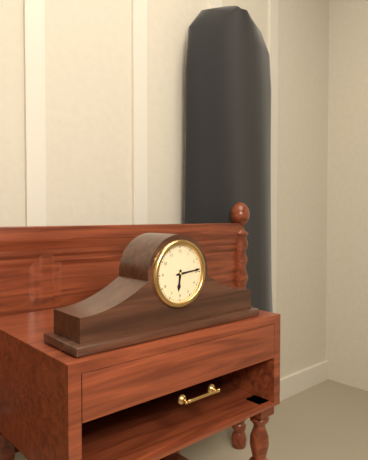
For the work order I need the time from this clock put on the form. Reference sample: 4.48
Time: 6.14
